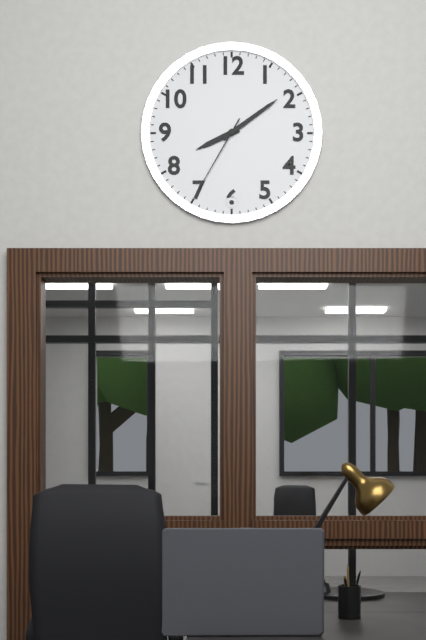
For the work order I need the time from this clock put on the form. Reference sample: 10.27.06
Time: 8.09.35
